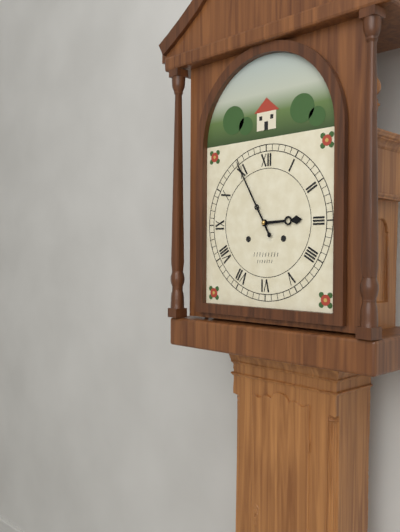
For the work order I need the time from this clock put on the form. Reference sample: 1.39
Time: 2.55
